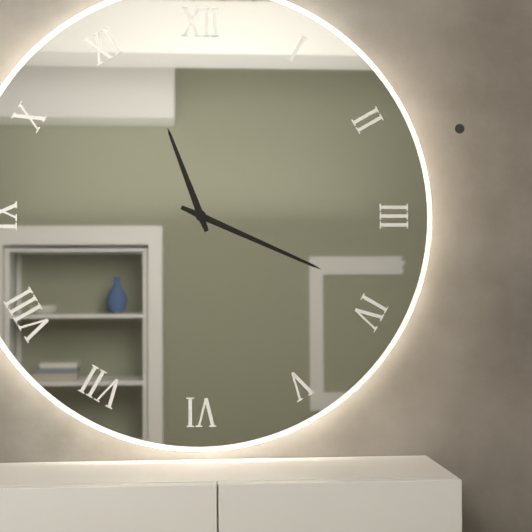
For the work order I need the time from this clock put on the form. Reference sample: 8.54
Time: 11.19
